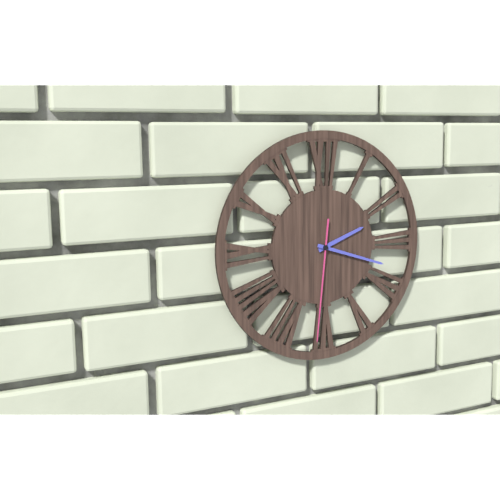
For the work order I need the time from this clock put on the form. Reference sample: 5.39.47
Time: 2.18.31
